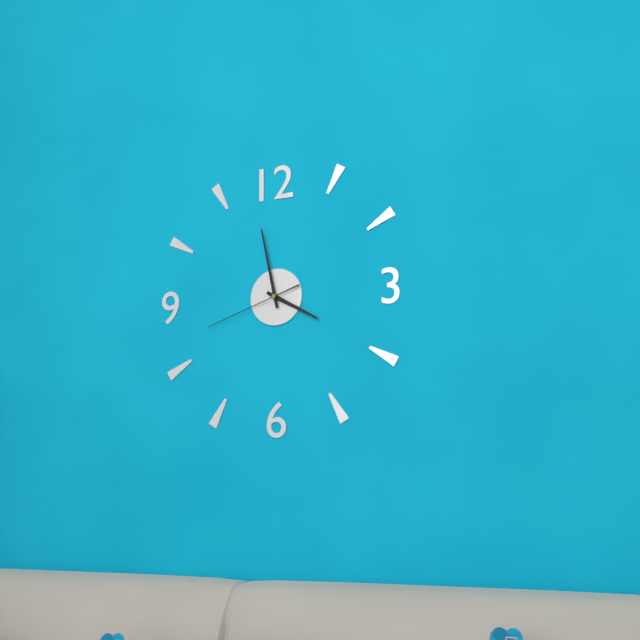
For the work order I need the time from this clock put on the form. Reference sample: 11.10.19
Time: 3.58.42
